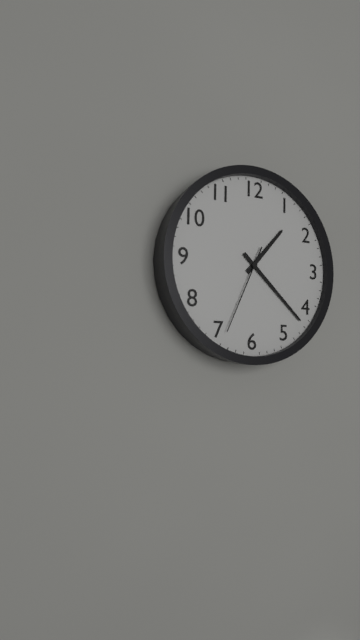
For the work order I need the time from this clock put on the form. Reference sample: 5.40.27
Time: 1.22.34
